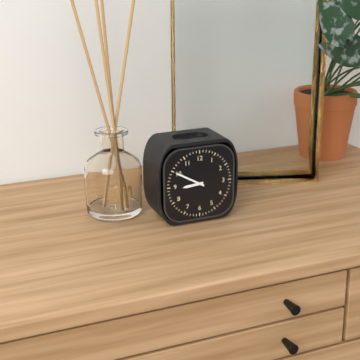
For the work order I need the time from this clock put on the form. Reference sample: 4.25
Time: 8.50
